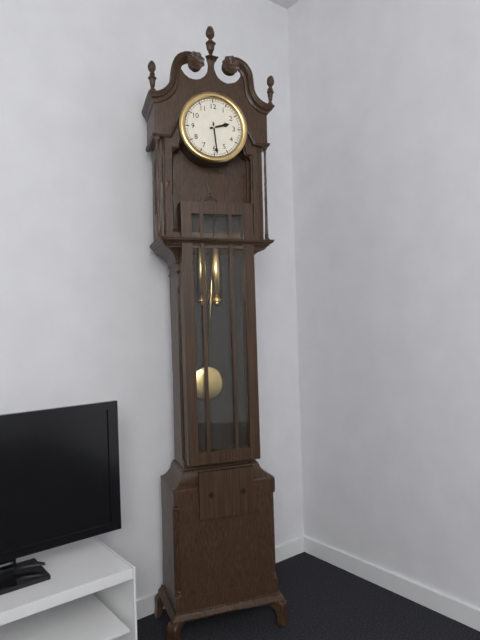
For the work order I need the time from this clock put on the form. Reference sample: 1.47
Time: 2.29
